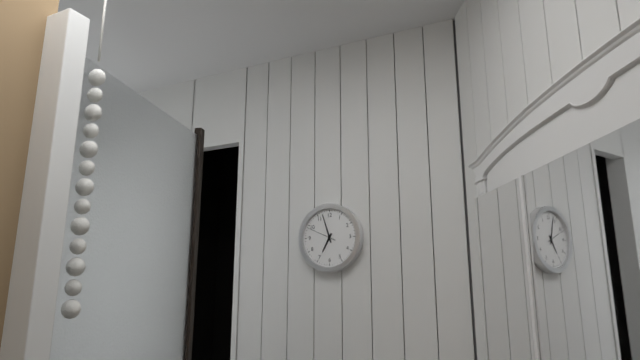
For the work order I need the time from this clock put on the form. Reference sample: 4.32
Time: 6.57
